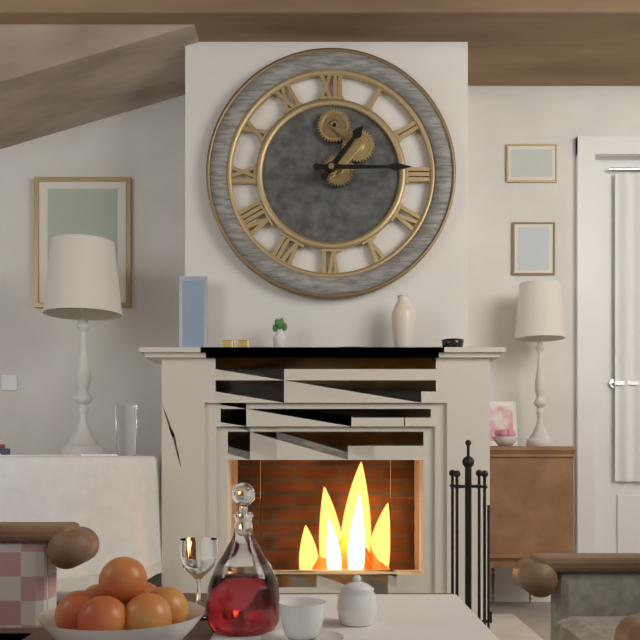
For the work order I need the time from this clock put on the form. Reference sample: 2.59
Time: 1.15
